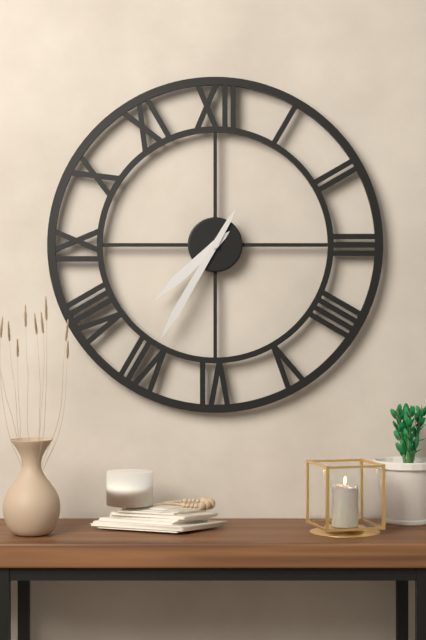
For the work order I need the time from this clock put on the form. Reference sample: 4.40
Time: 7.35
